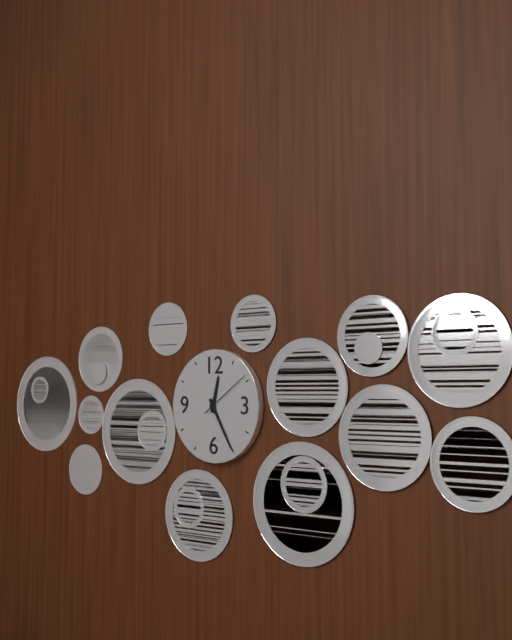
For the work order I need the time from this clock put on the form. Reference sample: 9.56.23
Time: 12.25.09
